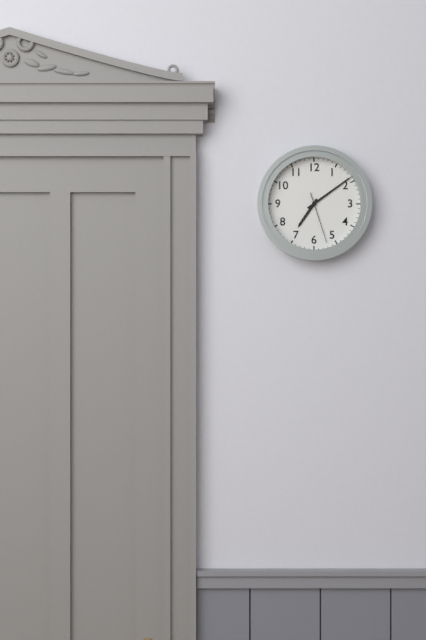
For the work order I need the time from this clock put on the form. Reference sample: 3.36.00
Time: 7.09.27
